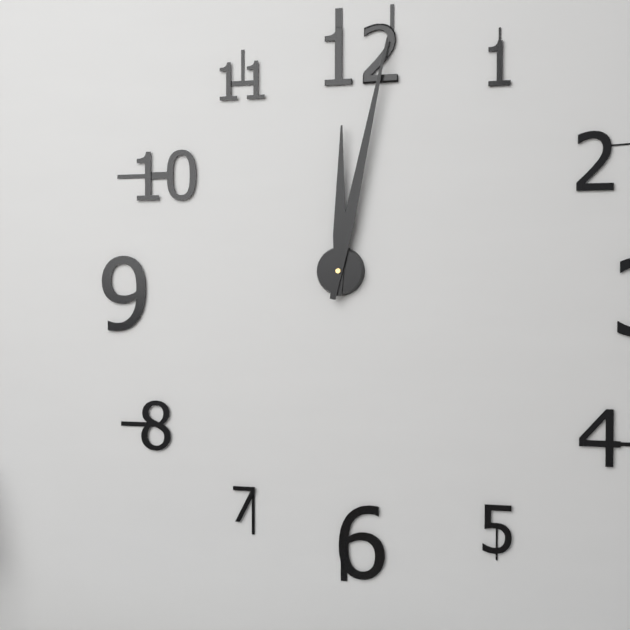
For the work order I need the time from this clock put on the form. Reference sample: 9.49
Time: 12.02
